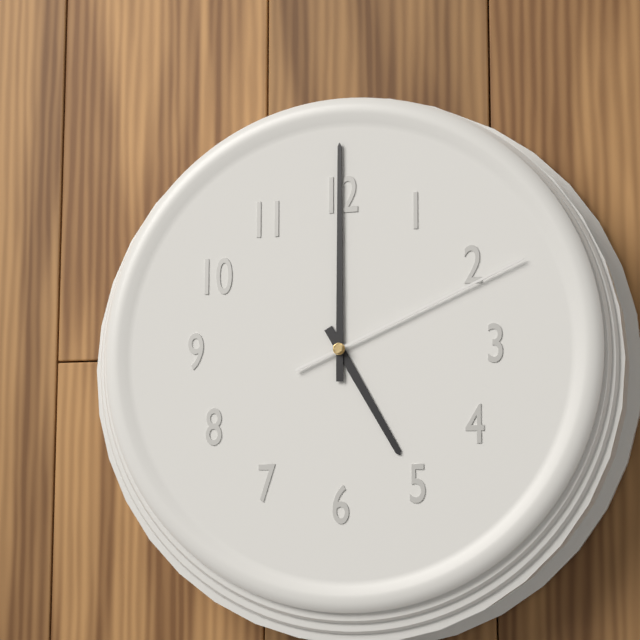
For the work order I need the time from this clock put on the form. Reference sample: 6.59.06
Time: 5.00.11
